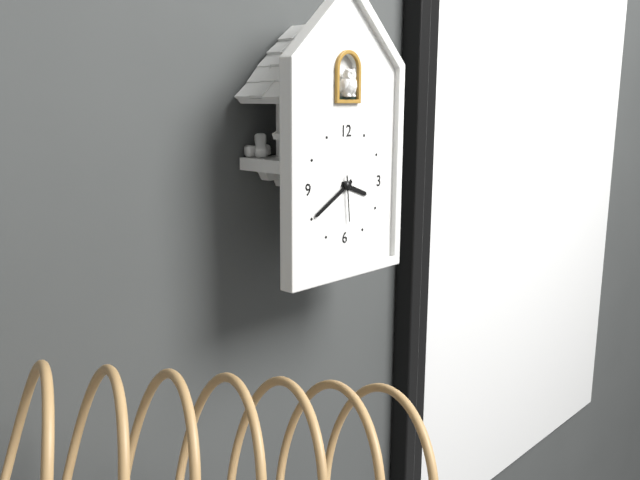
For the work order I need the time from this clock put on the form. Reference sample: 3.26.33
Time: 3.40.29
